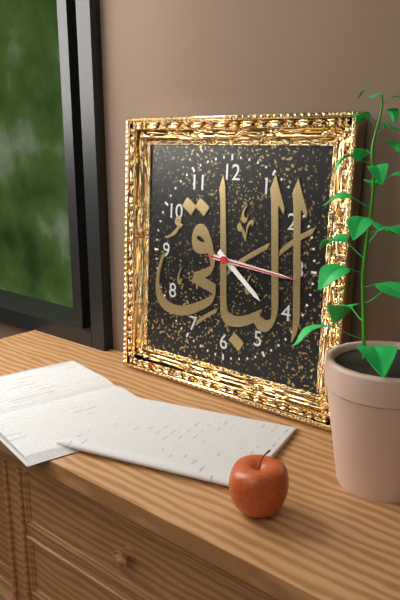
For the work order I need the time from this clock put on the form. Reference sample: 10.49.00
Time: 4.16.16
